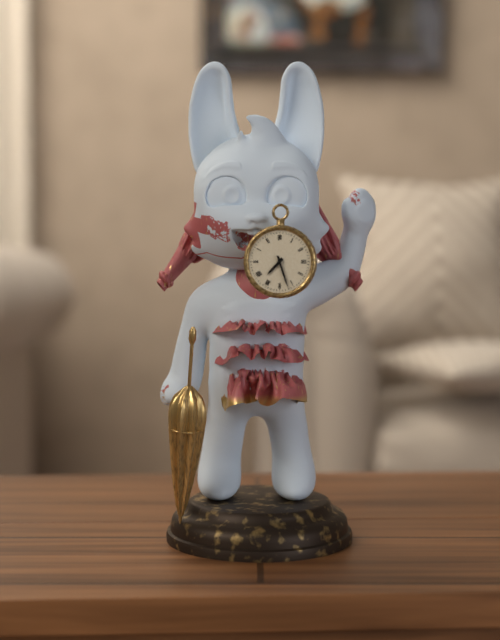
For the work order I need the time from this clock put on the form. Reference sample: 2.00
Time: 7.27
